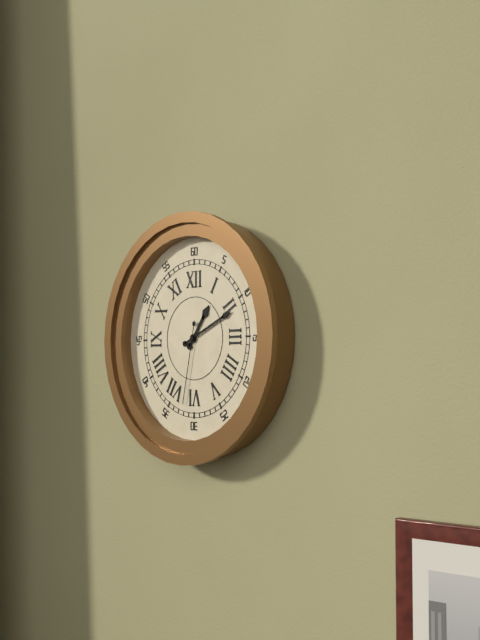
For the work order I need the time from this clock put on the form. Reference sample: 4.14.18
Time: 1.11.32
